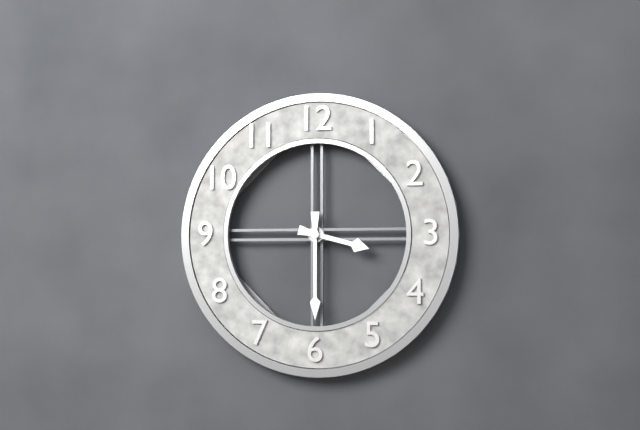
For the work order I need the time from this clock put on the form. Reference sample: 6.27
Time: 3.30
